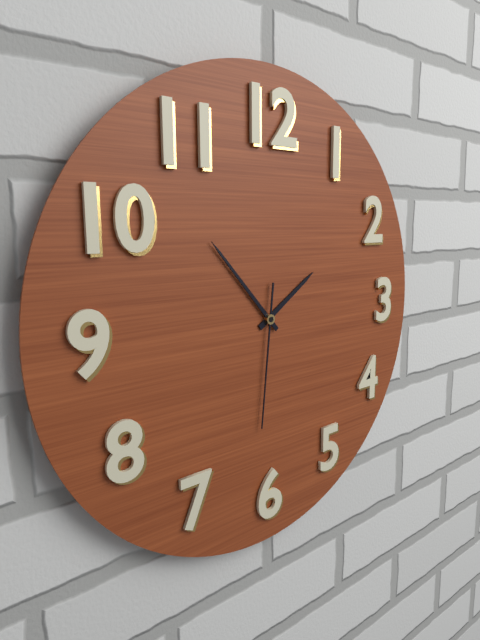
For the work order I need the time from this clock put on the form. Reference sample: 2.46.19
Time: 1.53.31
